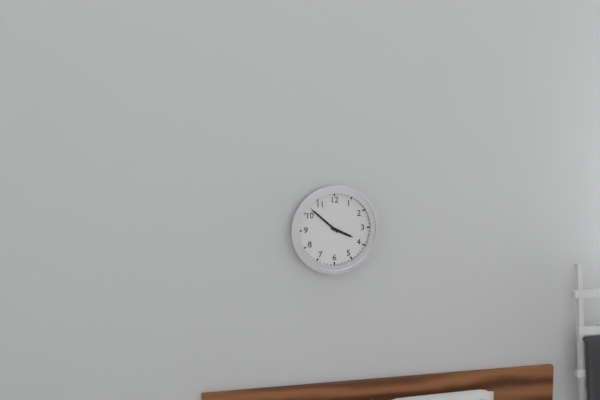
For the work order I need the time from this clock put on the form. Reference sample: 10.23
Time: 3.52
